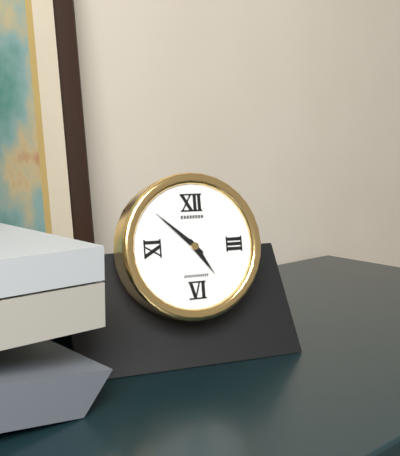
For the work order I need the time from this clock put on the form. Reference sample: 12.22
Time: 4.52
